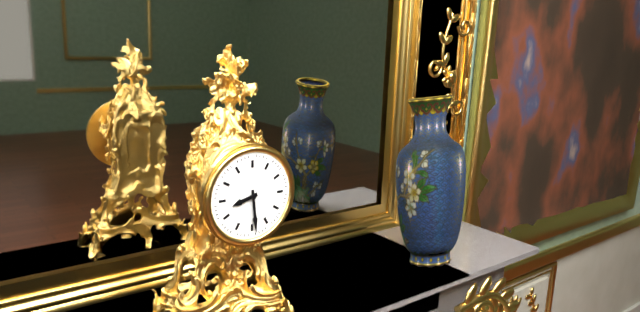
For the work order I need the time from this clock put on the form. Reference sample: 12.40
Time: 8.29
